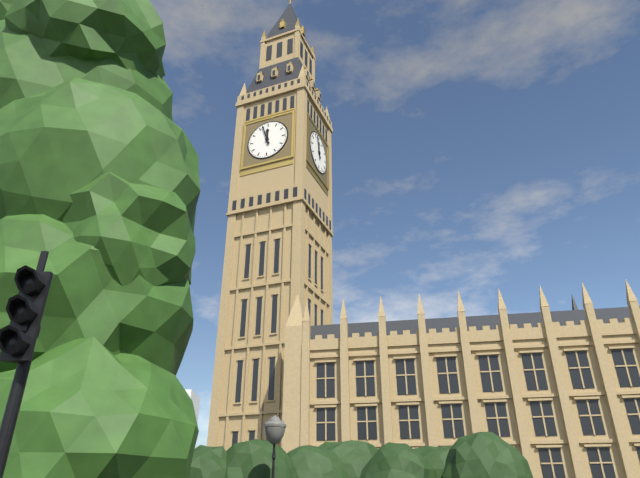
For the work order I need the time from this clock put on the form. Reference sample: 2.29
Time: 11.57
